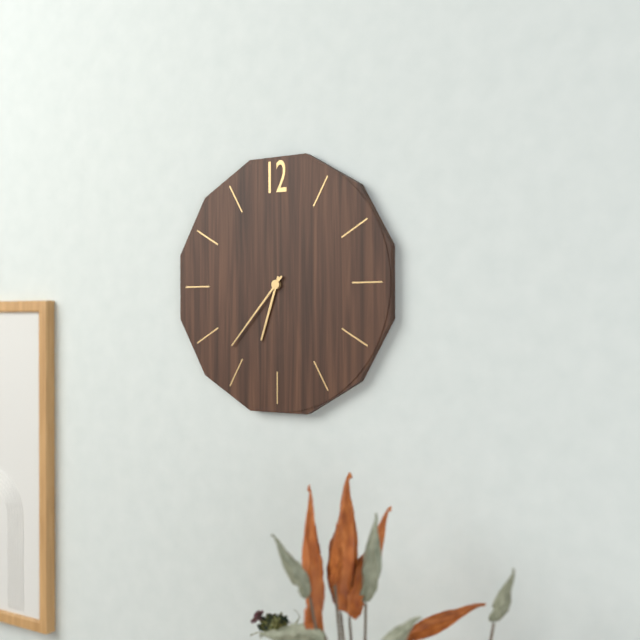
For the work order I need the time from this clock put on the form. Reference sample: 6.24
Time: 6.37
